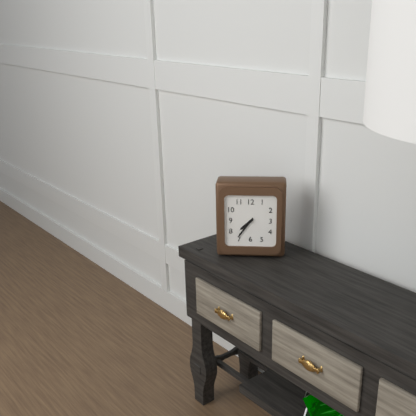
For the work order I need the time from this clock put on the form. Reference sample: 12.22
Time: 7.36
